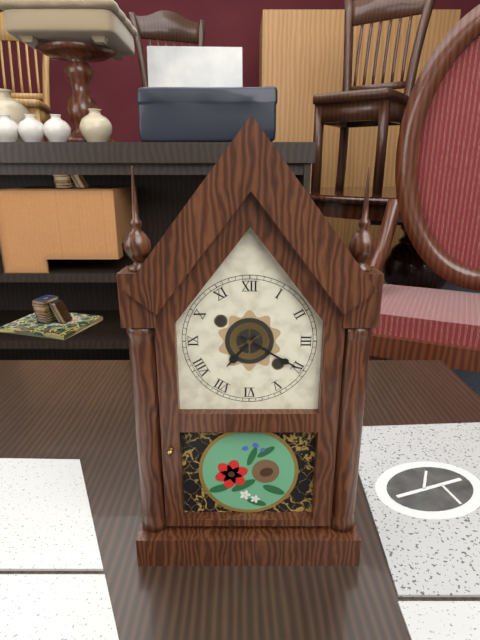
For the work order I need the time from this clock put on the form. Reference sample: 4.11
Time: 7.20
